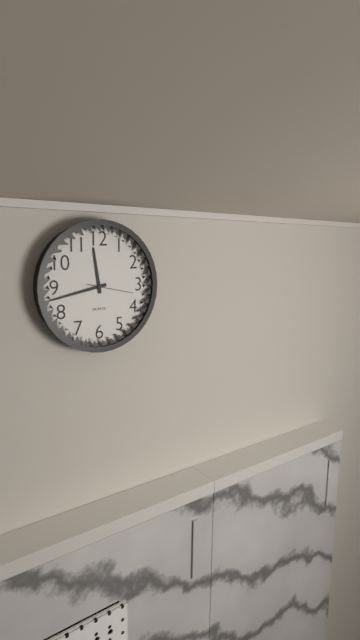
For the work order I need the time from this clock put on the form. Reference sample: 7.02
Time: 11.43
